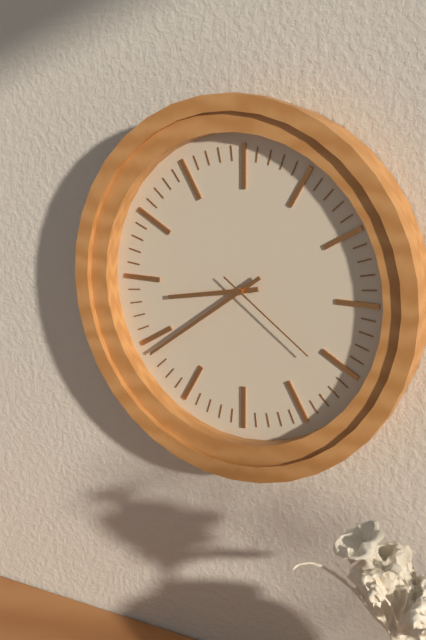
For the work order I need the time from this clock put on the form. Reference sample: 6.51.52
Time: 8.39.21
